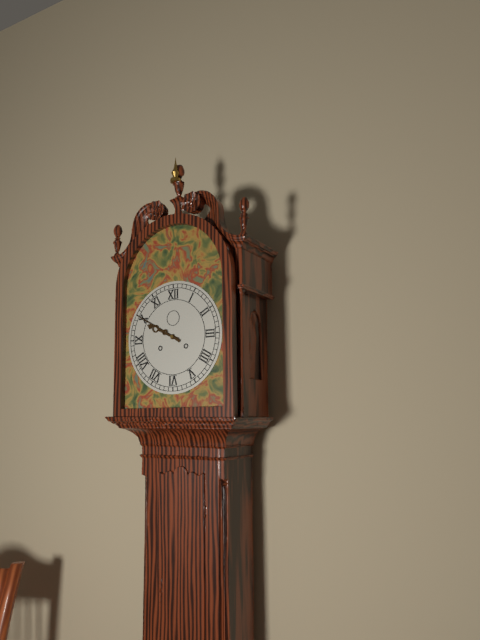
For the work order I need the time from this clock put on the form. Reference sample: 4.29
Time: 9.50
